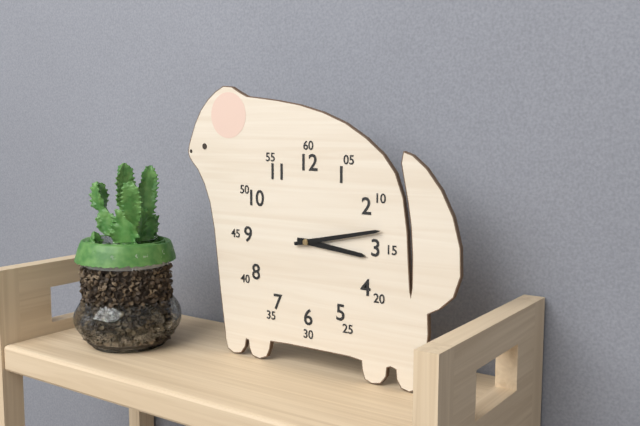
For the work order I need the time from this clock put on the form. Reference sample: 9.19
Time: 3.13
